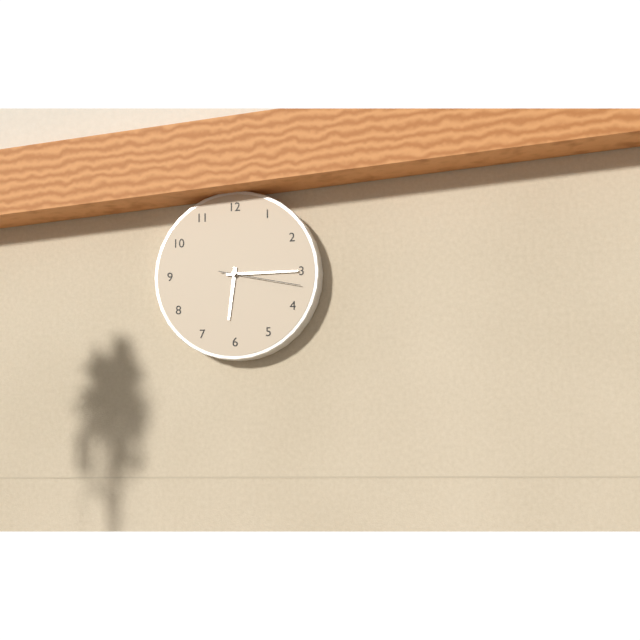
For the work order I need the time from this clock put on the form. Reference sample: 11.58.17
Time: 6.15.17
